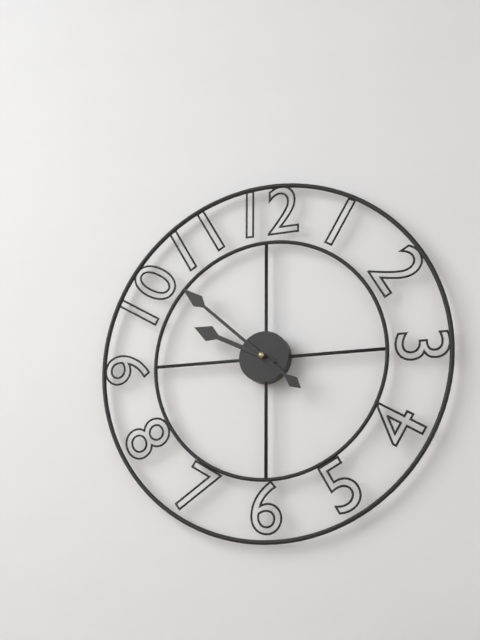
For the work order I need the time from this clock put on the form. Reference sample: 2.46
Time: 9.52
